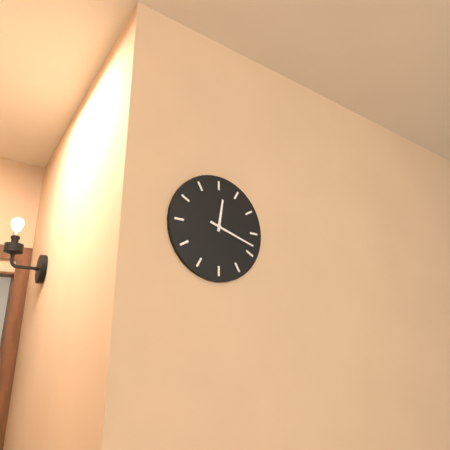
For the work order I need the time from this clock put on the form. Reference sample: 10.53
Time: 12.18
